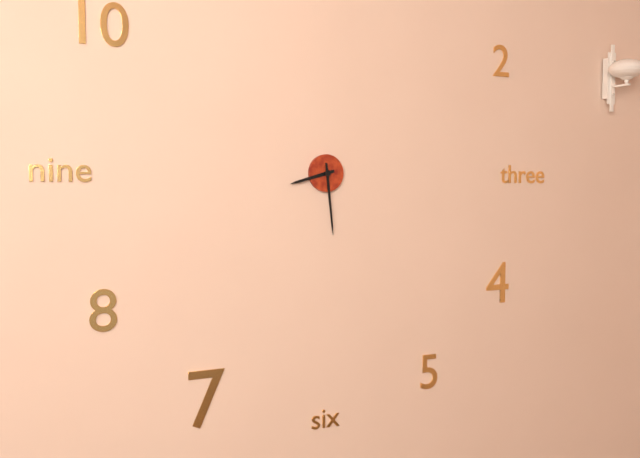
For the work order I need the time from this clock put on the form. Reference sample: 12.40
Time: 8.29
